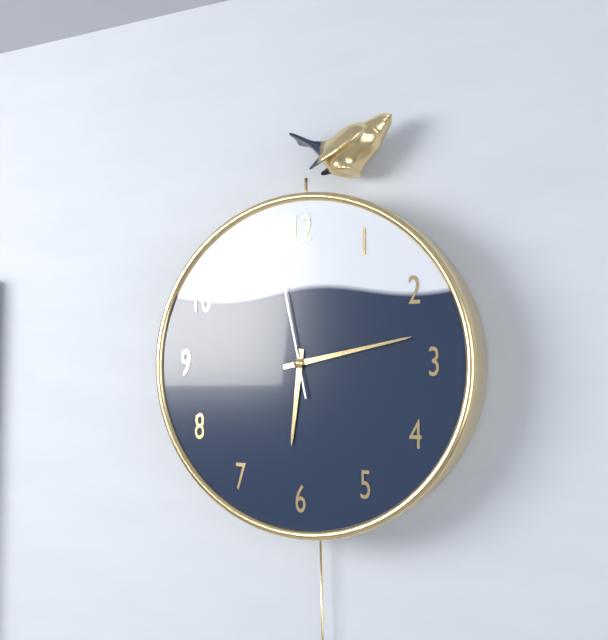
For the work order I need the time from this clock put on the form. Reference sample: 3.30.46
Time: 6.13.58
